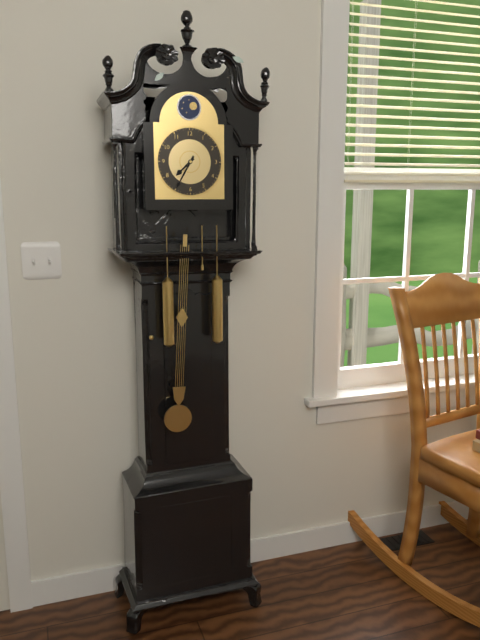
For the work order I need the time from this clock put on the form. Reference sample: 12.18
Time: 7.35
